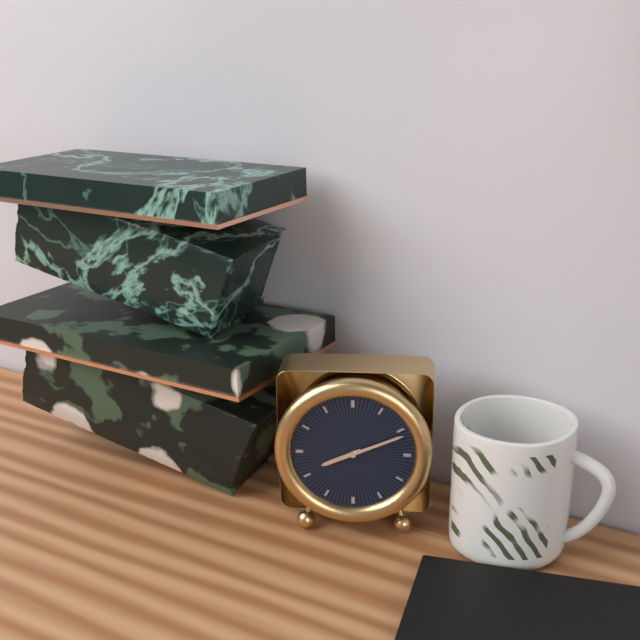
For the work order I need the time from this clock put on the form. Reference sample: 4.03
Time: 8.11
